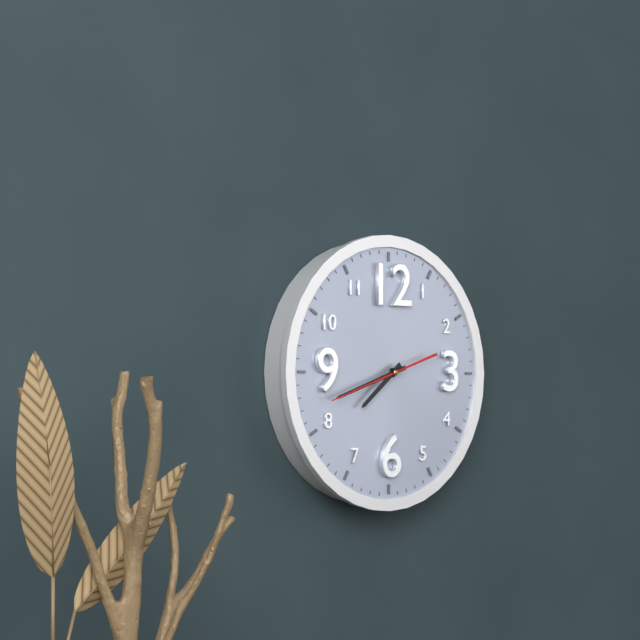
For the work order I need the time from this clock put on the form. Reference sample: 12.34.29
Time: 7.42.42
